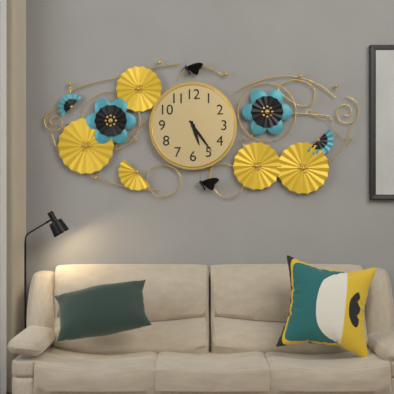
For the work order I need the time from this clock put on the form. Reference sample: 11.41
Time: 5.24
